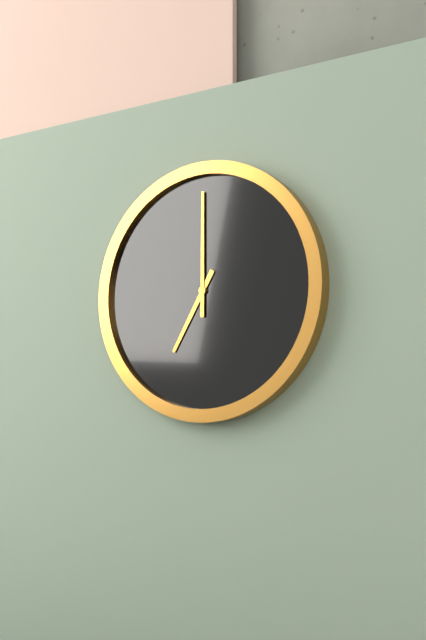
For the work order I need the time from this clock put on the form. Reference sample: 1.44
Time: 7.00
